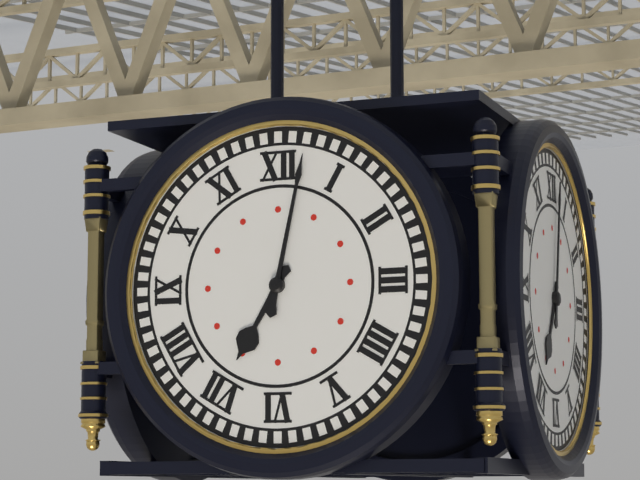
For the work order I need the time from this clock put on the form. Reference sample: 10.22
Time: 7.02
